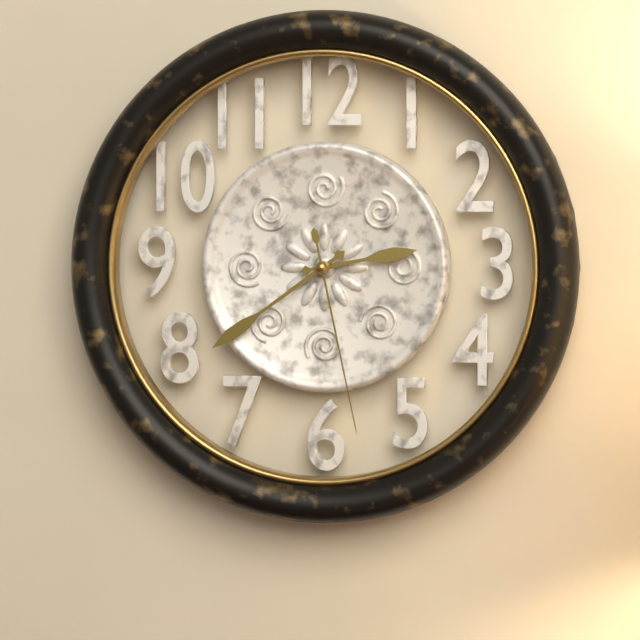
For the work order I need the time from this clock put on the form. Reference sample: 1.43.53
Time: 2.39.28
